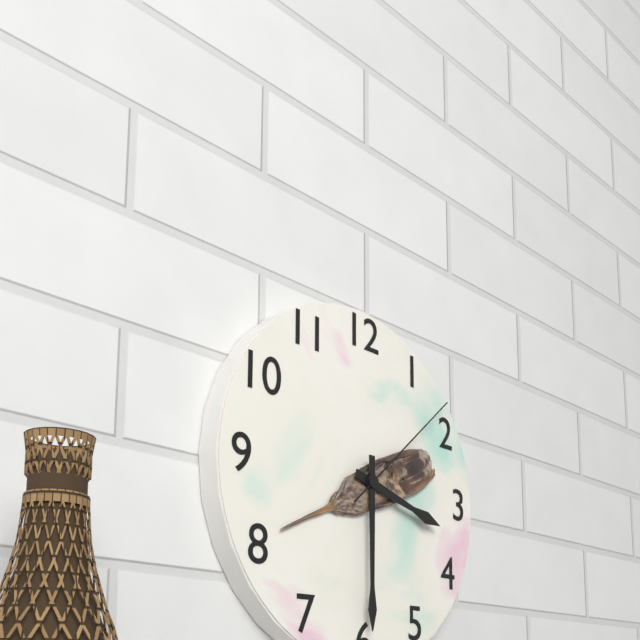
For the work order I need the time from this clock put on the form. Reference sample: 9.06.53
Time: 3.30.08
